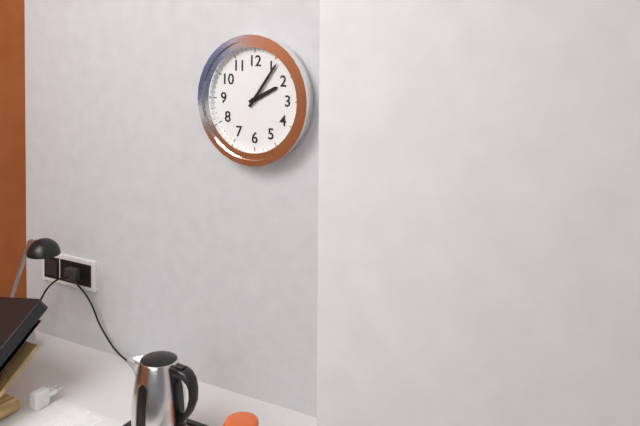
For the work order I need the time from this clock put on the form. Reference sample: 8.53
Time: 2.06
